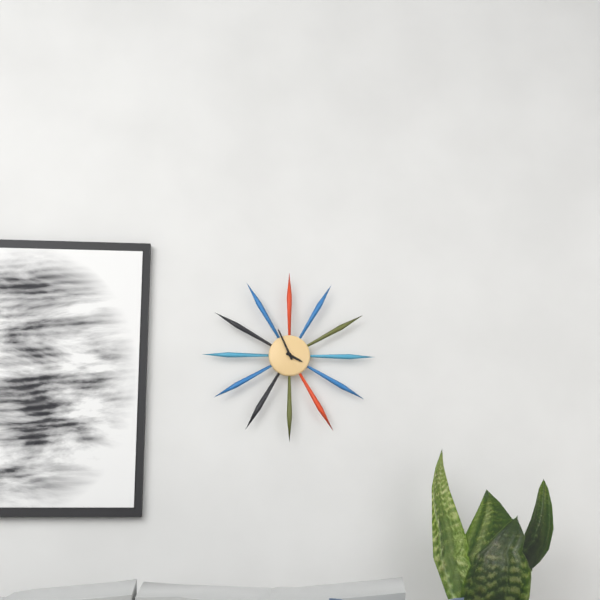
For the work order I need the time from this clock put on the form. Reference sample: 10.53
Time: 3.56
